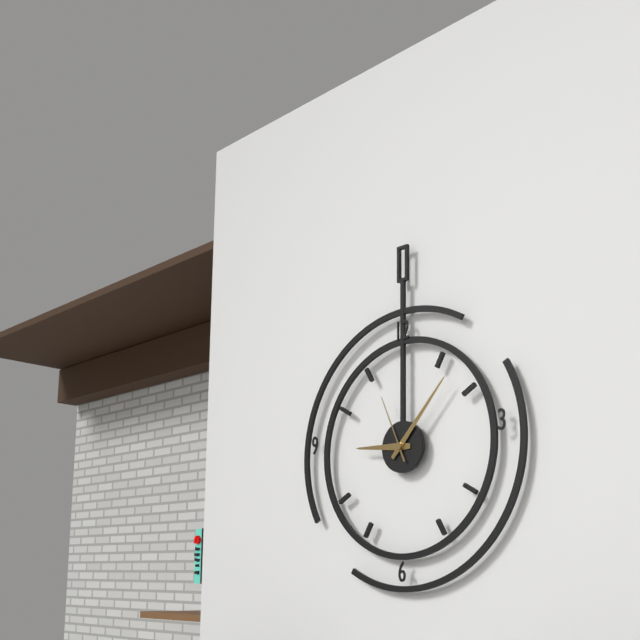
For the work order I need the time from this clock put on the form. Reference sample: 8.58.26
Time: 9.07.56
